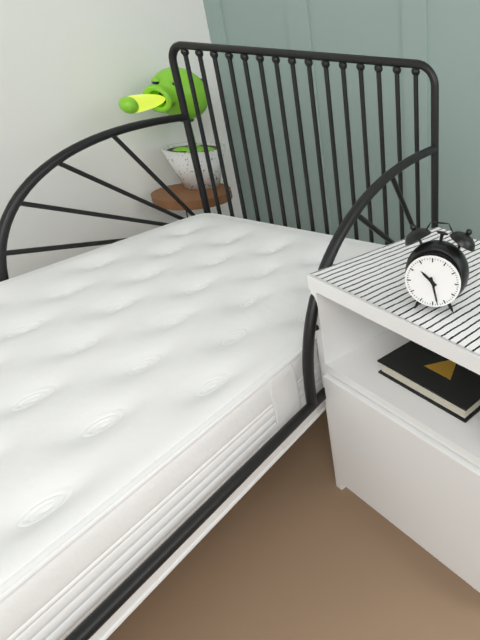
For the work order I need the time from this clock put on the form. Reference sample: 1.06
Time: 10.28
